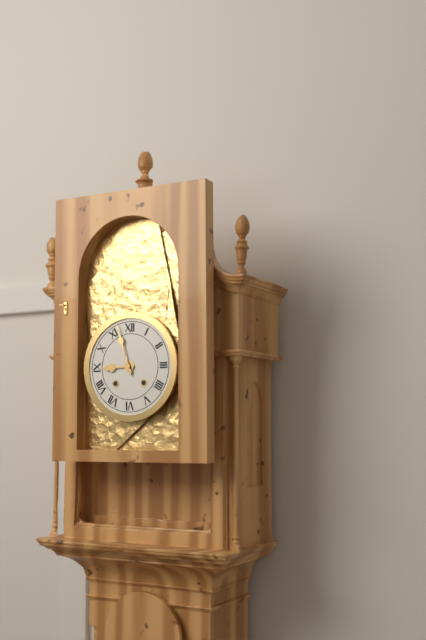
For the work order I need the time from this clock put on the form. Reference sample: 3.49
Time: 8.57
